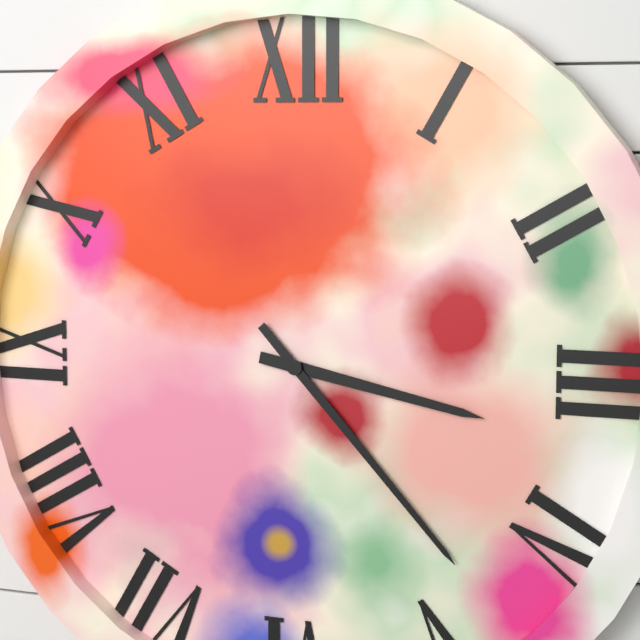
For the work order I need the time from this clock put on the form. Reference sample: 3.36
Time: 3.23
